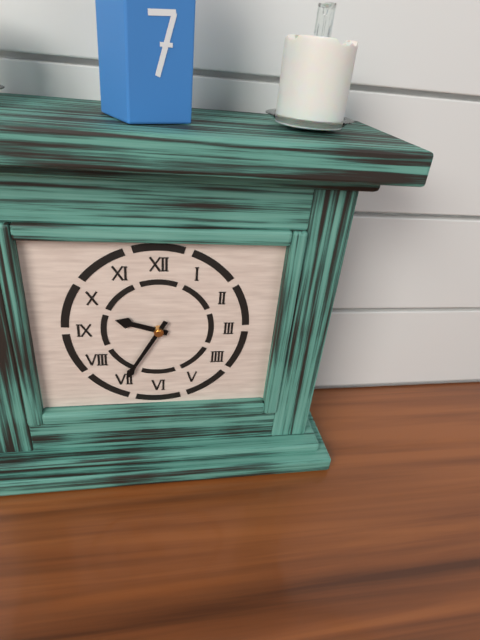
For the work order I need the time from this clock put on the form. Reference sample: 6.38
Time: 9.35
